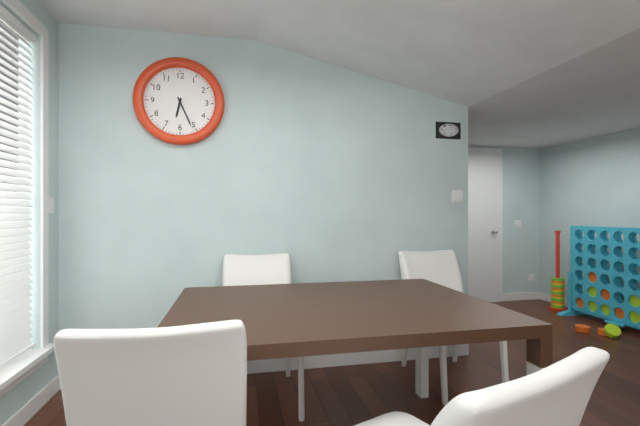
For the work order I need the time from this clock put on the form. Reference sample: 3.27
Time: 6.26
